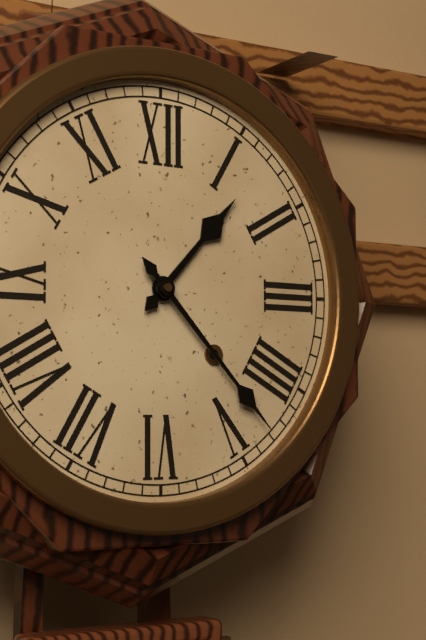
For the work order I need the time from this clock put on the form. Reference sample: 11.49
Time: 1.23
